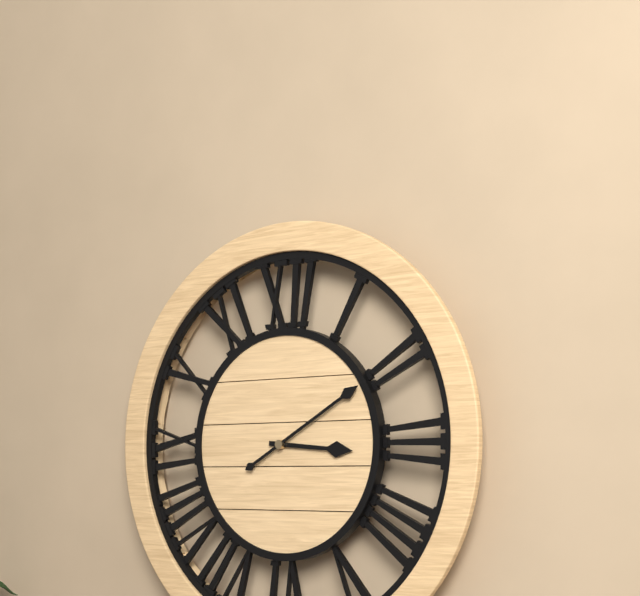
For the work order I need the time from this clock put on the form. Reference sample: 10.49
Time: 3.10
